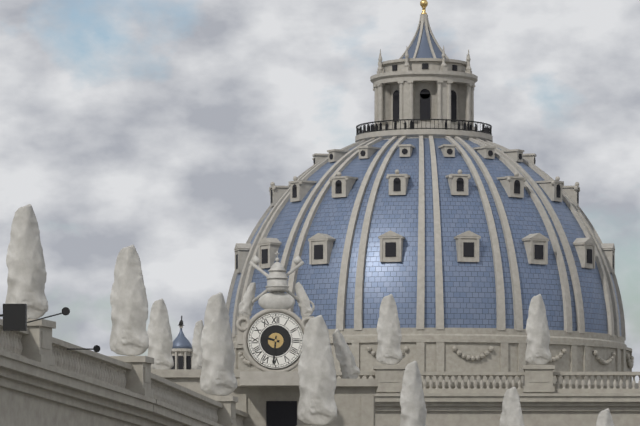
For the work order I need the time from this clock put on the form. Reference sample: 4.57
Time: 9.31
